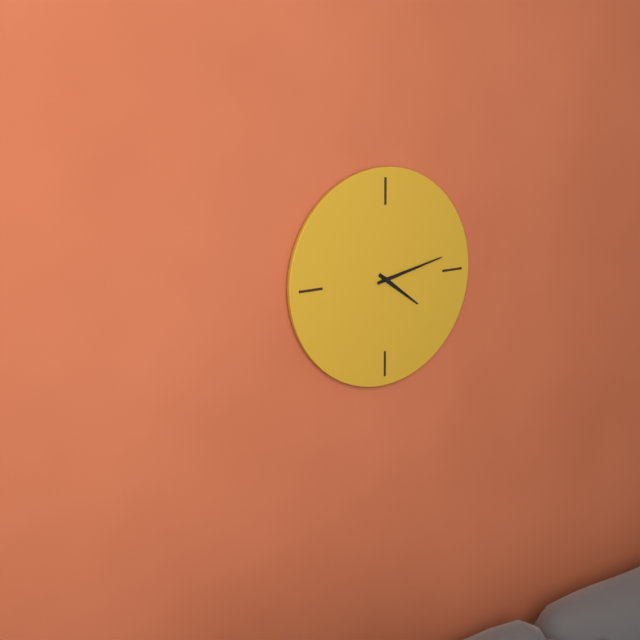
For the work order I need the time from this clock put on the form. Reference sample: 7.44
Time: 4.13
